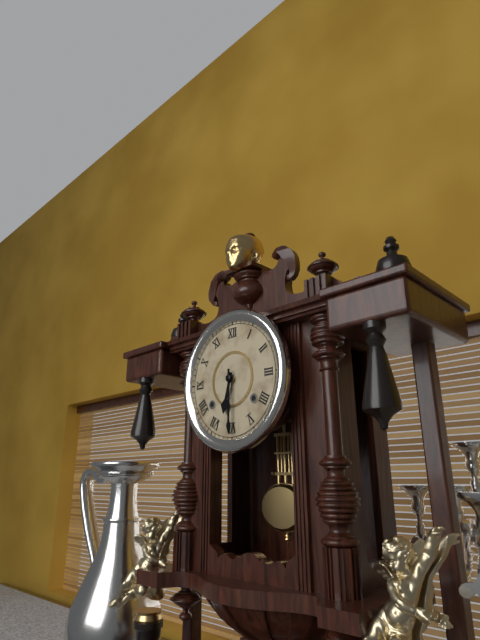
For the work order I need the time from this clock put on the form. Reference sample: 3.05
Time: 6.30
